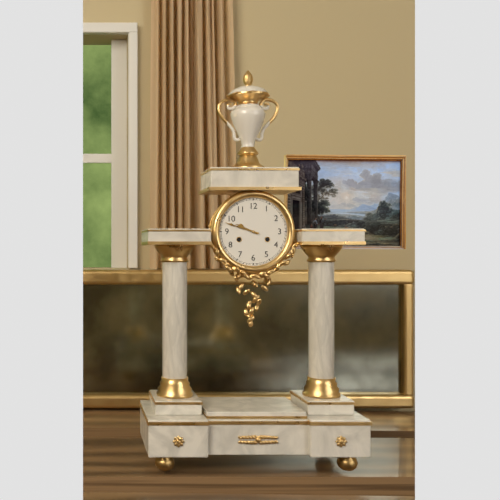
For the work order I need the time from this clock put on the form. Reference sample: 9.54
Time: 9.48
